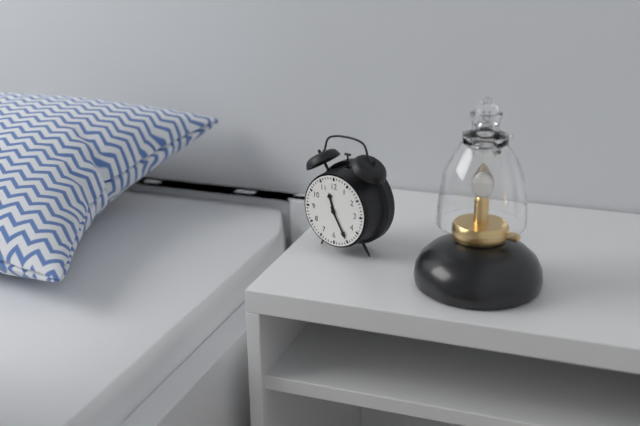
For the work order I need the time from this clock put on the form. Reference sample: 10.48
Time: 11.25
